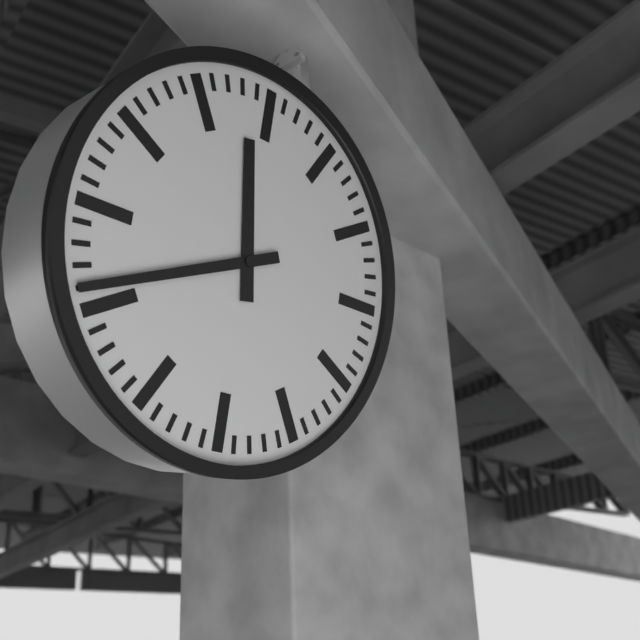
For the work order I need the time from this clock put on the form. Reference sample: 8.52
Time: 11.41
